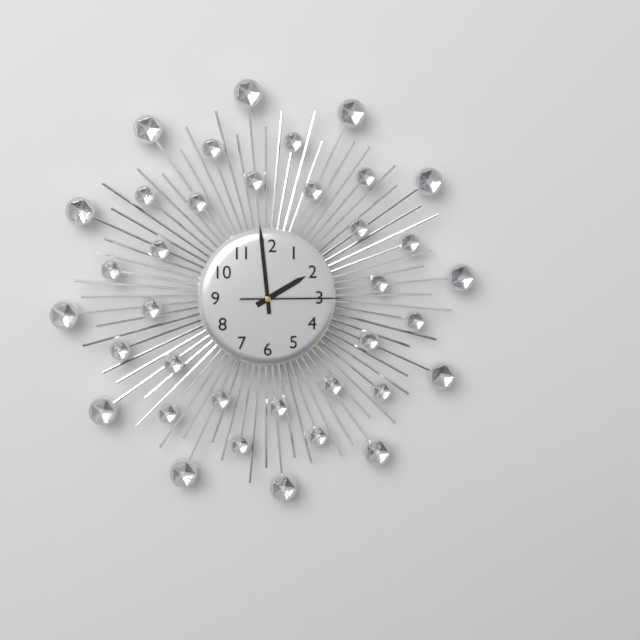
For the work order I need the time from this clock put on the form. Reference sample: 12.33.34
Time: 1.59.15
